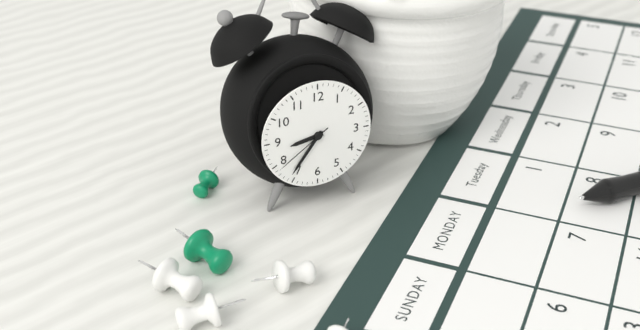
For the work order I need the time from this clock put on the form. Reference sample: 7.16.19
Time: 8.36.39
